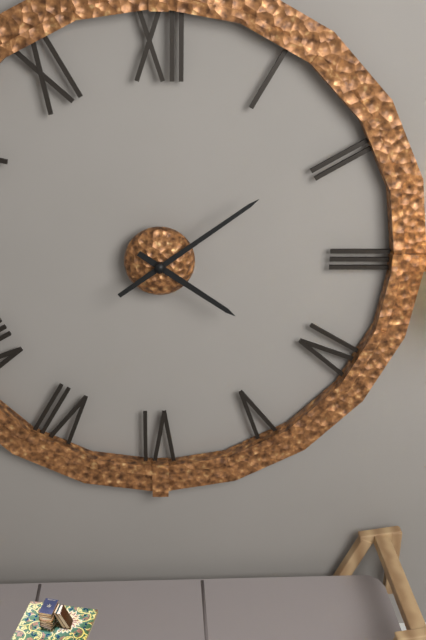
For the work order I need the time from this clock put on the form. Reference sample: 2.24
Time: 4.09
